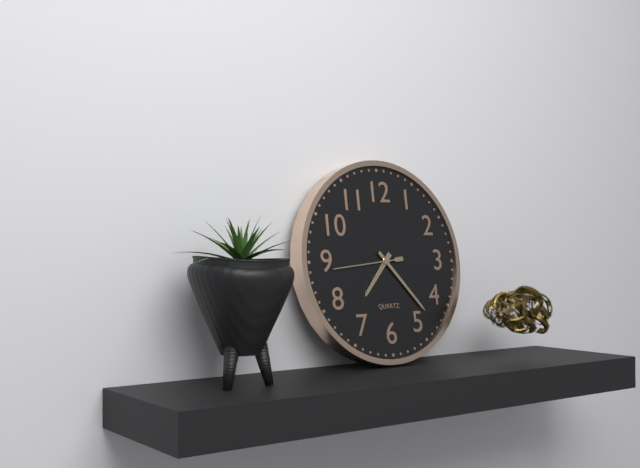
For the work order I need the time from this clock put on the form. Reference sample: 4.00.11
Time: 7.23.44
